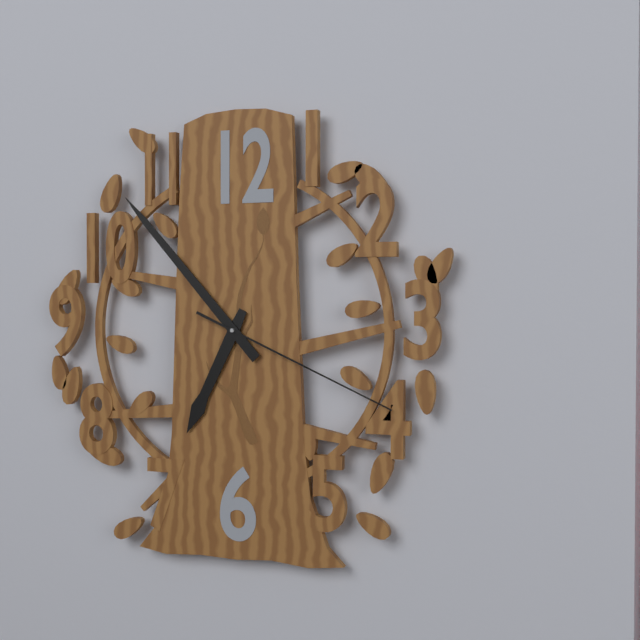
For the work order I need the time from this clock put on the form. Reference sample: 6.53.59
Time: 6.53.19
